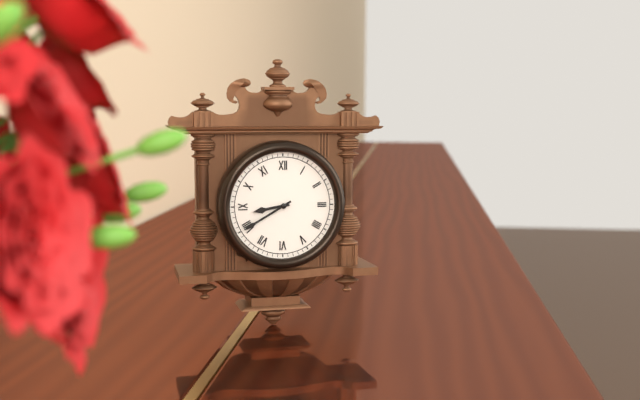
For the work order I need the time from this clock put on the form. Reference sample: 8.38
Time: 8.40
